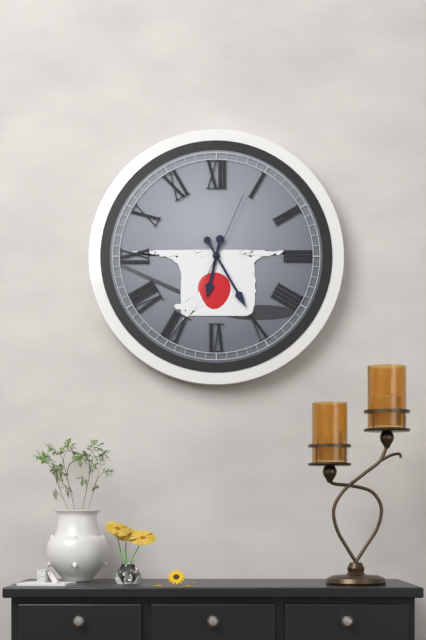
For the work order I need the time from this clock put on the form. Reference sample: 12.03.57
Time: 6.25.04
